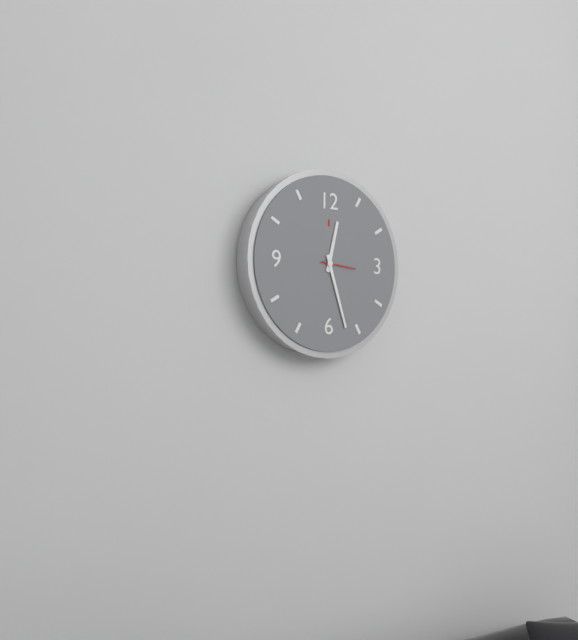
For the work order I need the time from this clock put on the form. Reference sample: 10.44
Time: 12.27
